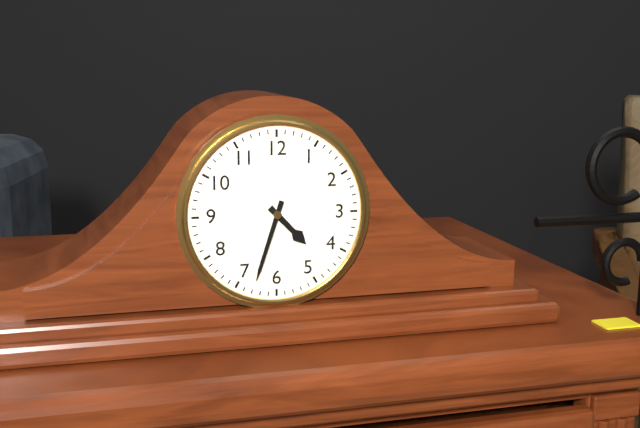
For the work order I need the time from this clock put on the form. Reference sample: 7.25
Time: 4.33
